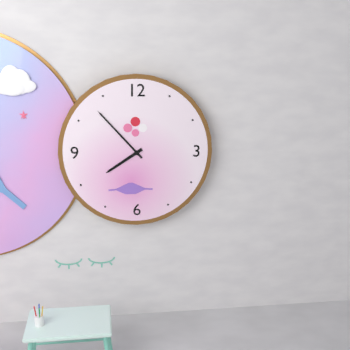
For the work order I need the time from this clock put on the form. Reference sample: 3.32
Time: 7.53
